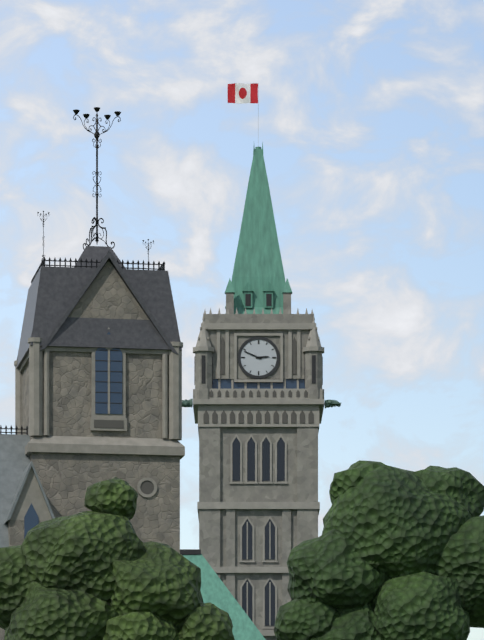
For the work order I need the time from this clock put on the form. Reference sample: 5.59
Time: 2.49
